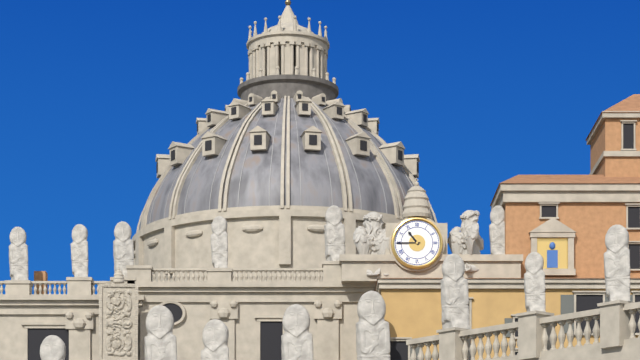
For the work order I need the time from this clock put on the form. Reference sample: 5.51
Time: 10.45
